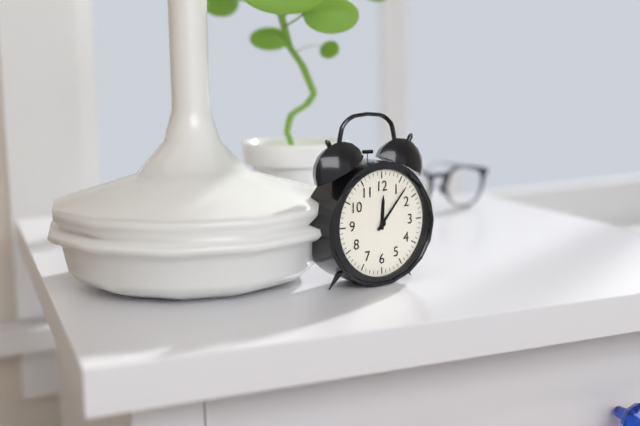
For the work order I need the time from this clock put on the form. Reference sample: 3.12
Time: 12.07
